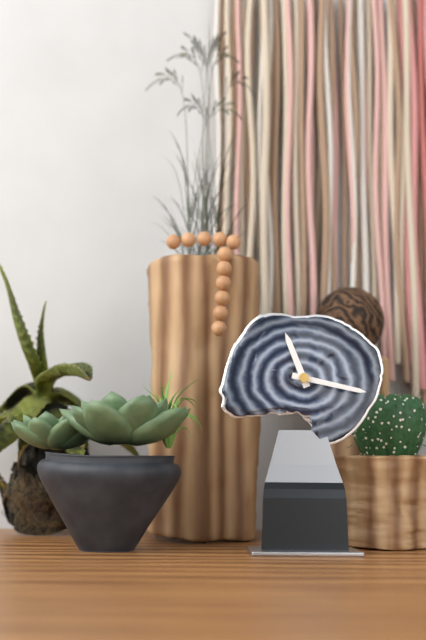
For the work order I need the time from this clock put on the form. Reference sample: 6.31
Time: 11.17
